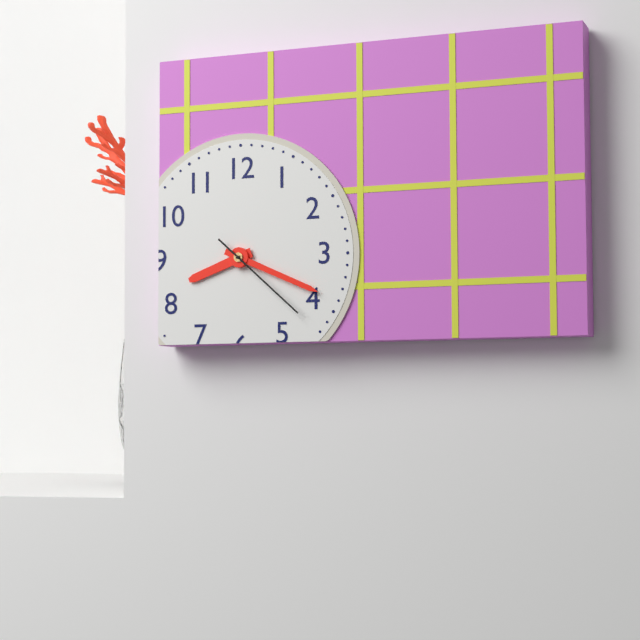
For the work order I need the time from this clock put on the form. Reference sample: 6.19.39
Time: 8.19.22
